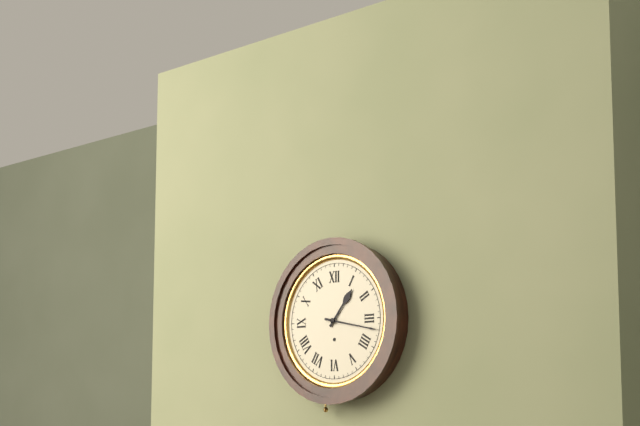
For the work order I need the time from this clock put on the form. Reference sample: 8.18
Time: 1.17
